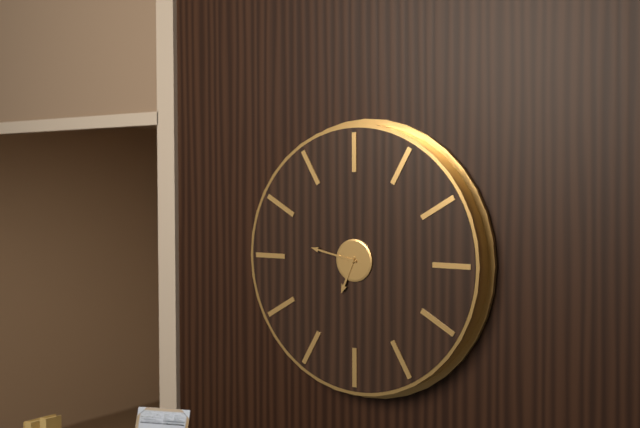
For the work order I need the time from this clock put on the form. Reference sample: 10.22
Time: 6.47
